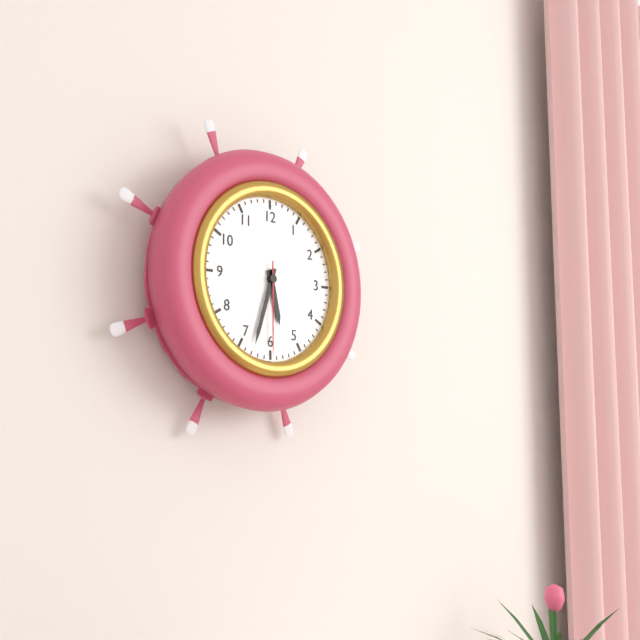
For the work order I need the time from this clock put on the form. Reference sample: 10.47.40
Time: 5.33.30
